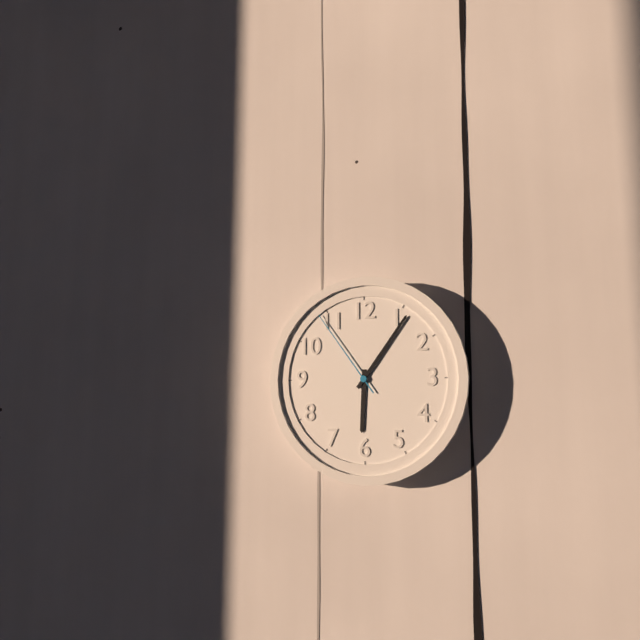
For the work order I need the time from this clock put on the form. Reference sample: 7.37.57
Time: 6.06.54
